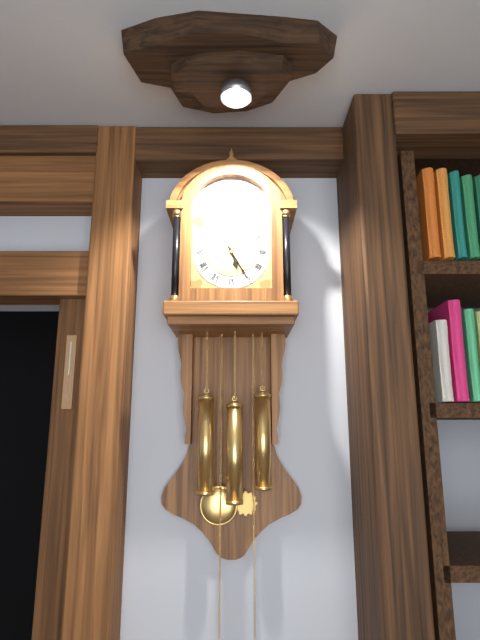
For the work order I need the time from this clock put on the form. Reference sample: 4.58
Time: 5.25
